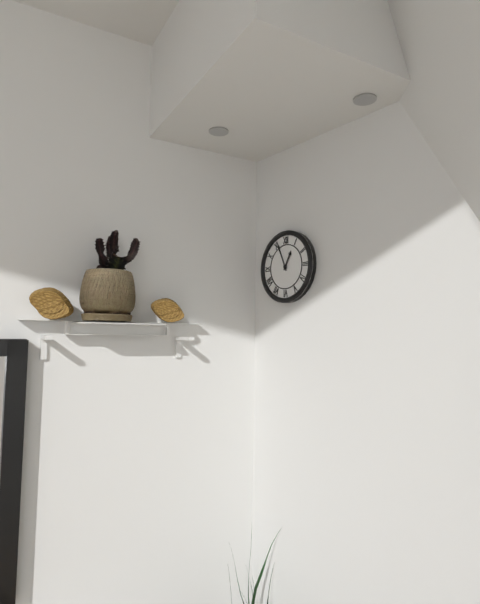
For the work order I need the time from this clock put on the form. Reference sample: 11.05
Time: 12.56
